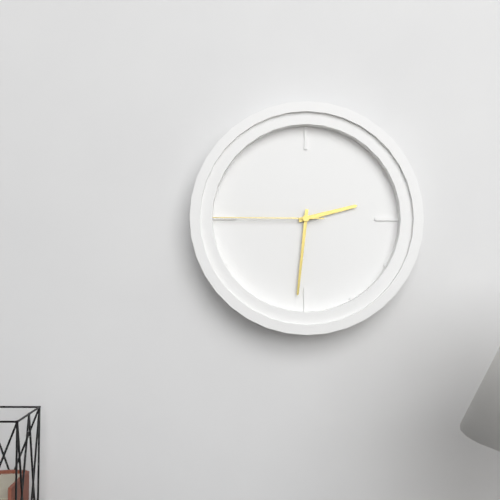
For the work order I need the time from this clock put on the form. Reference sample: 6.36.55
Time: 2.31.45
